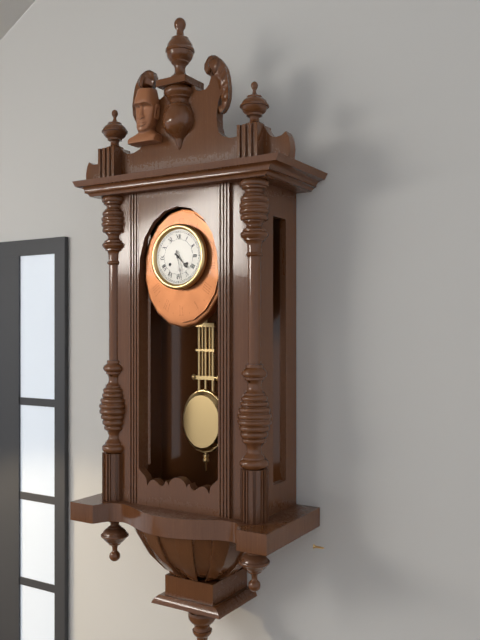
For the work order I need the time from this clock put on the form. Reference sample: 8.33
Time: 4.28
